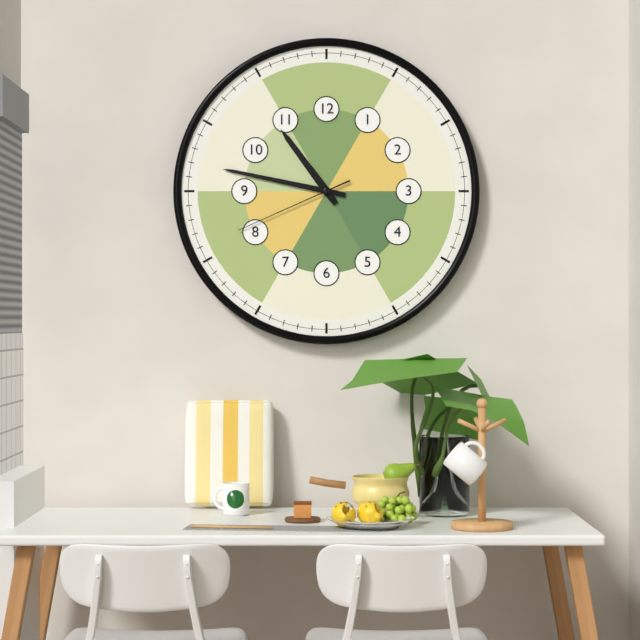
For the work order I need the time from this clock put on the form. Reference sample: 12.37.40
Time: 10.47.41
